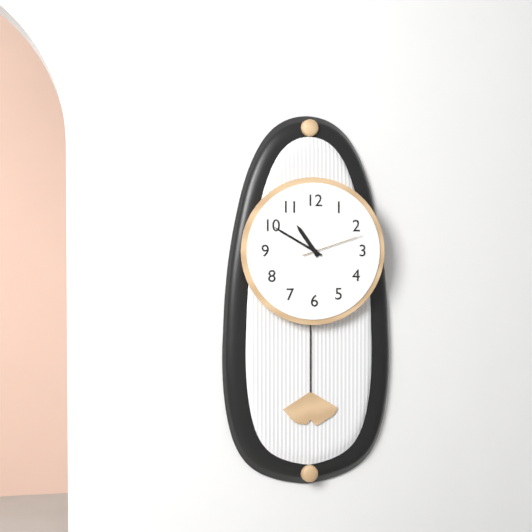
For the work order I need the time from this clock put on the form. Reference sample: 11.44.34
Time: 10.50.12
